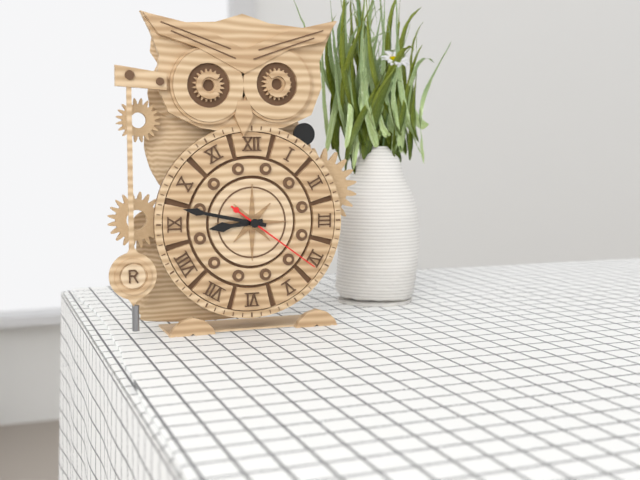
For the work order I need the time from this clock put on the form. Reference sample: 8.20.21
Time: 8.47.21
